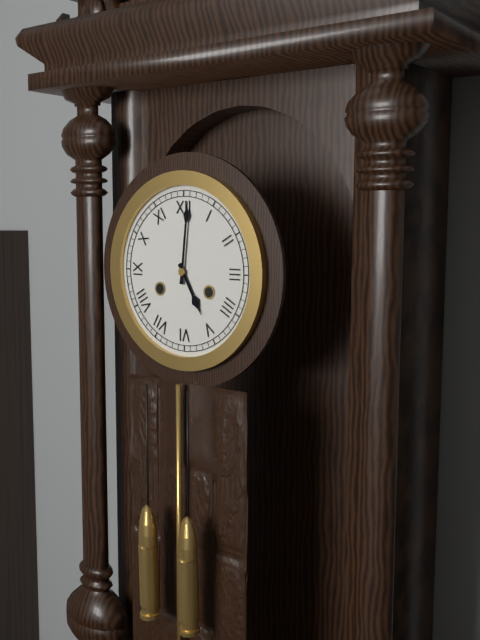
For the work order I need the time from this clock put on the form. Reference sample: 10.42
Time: 5.01
